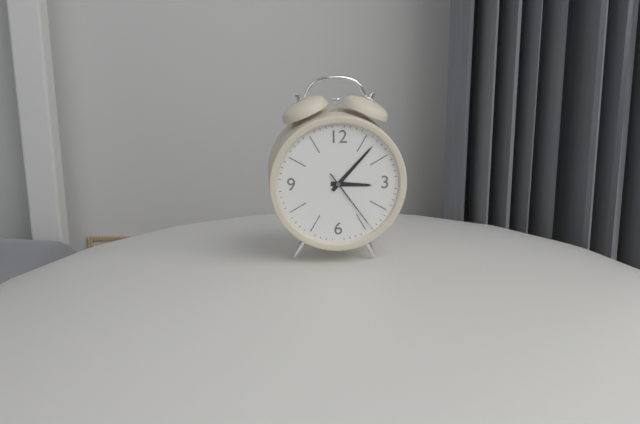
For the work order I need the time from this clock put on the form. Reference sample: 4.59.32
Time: 3.07.24
